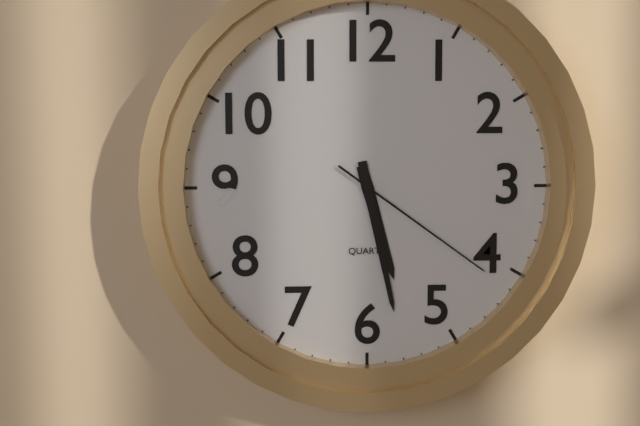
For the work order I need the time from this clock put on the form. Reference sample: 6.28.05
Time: 5.28.21
